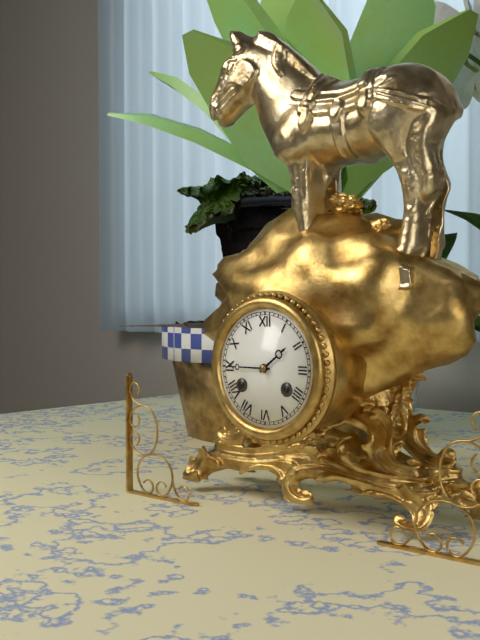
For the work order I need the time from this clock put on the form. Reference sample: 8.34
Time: 1.45
